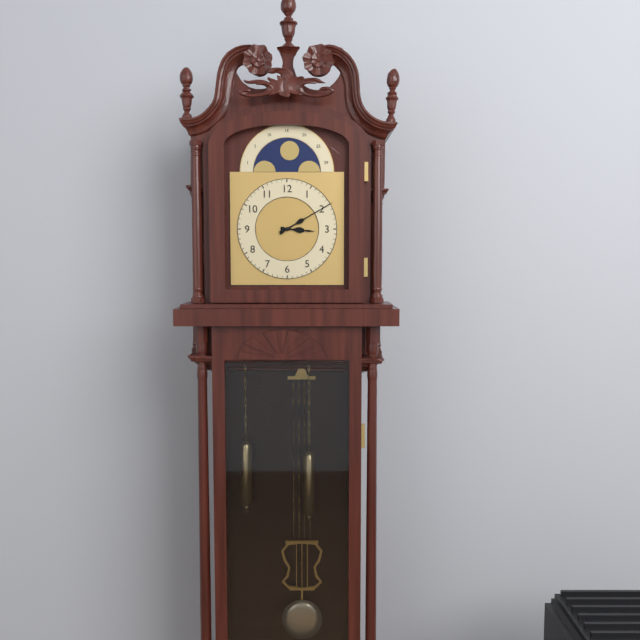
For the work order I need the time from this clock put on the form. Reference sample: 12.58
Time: 3.10
